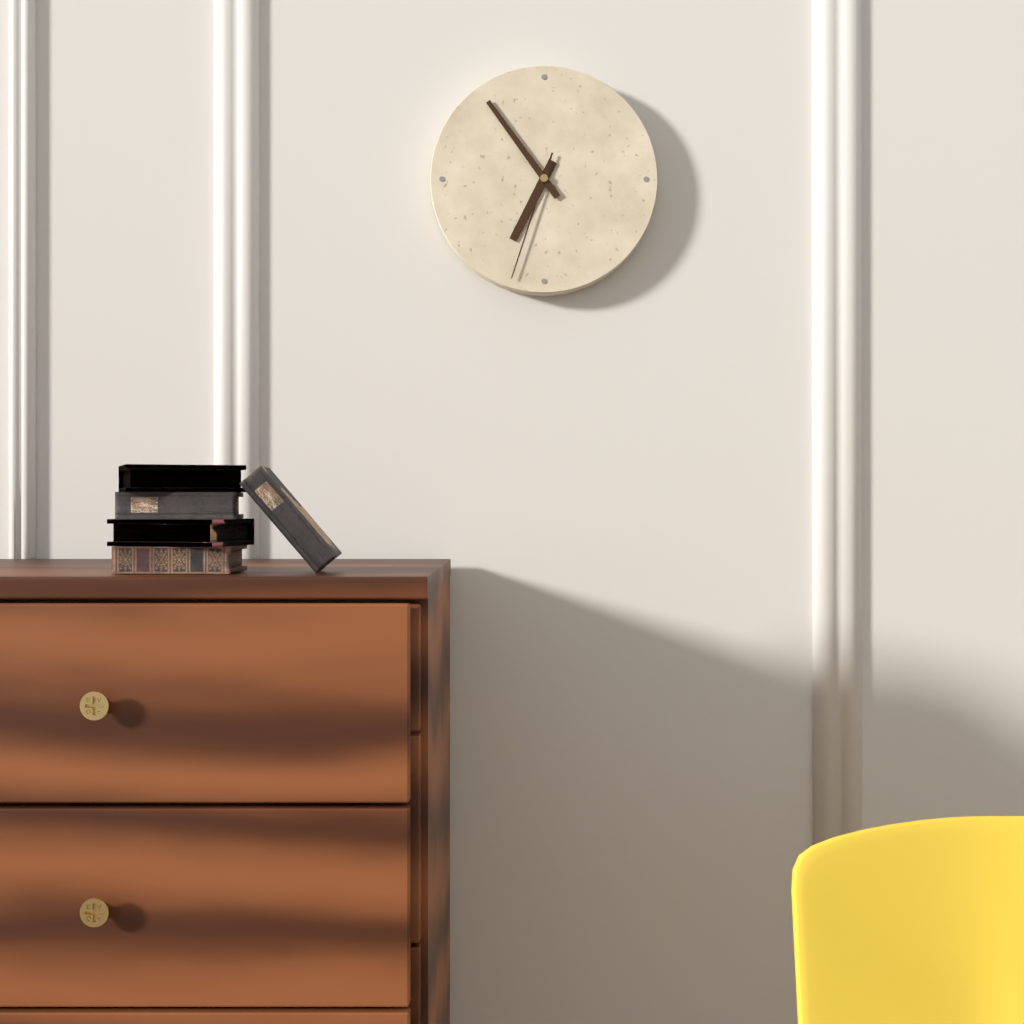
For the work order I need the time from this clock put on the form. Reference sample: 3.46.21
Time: 6.54.33
